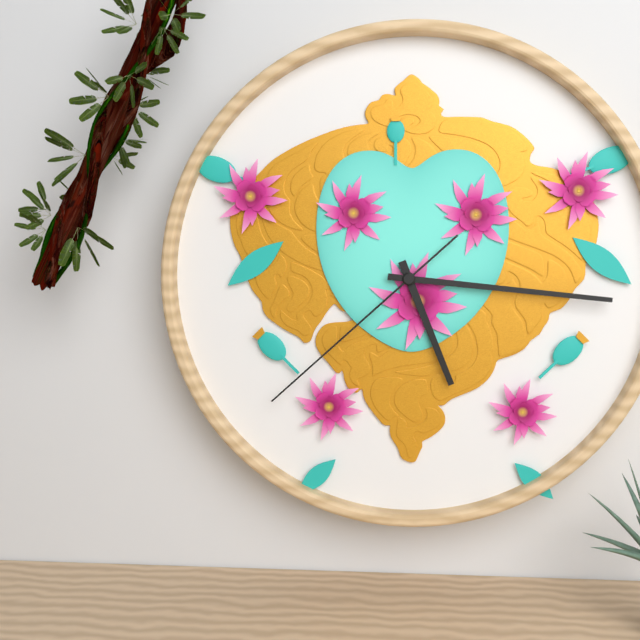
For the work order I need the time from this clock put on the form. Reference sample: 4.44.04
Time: 5.16.38
